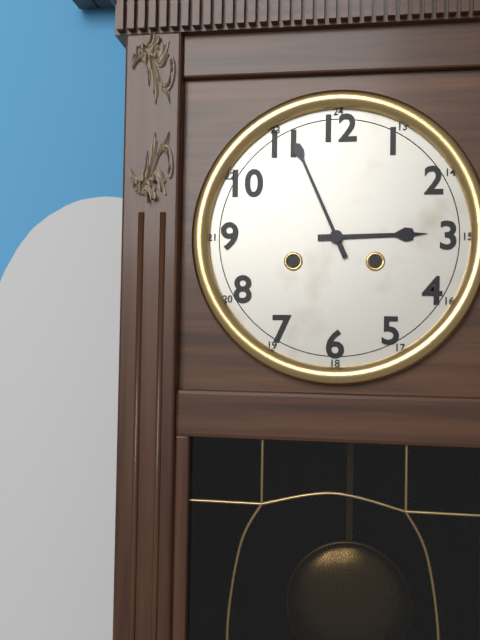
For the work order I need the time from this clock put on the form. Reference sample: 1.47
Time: 2.56
